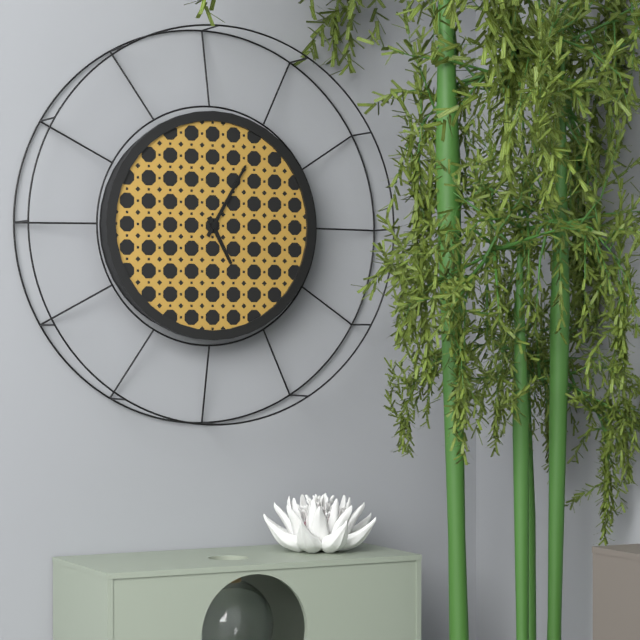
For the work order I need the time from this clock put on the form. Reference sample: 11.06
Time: 5.05
